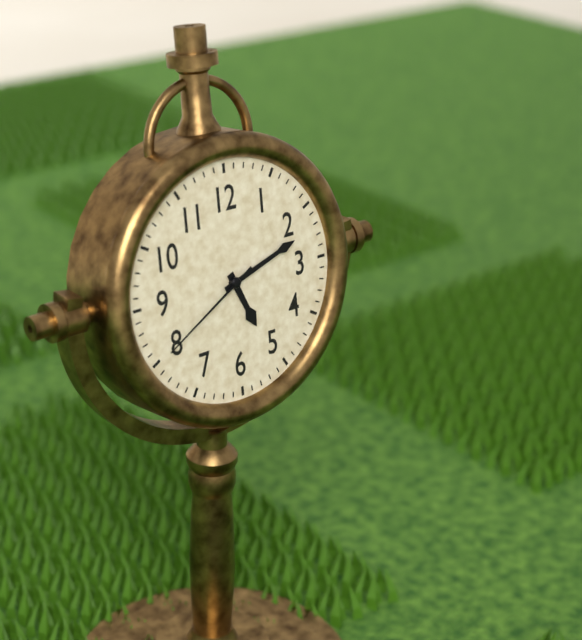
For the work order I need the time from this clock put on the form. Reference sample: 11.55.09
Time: 5.12.40
